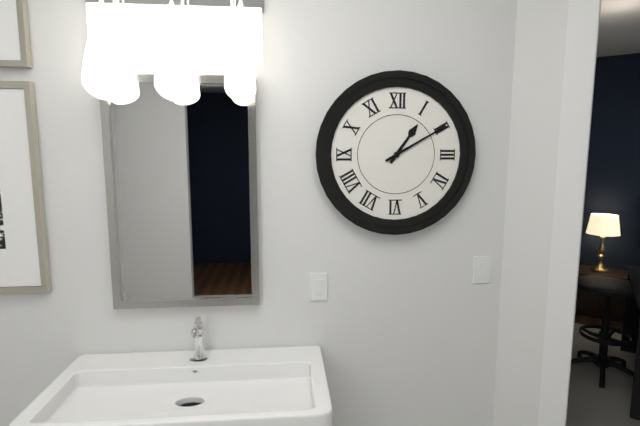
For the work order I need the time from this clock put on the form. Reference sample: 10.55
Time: 1.10
